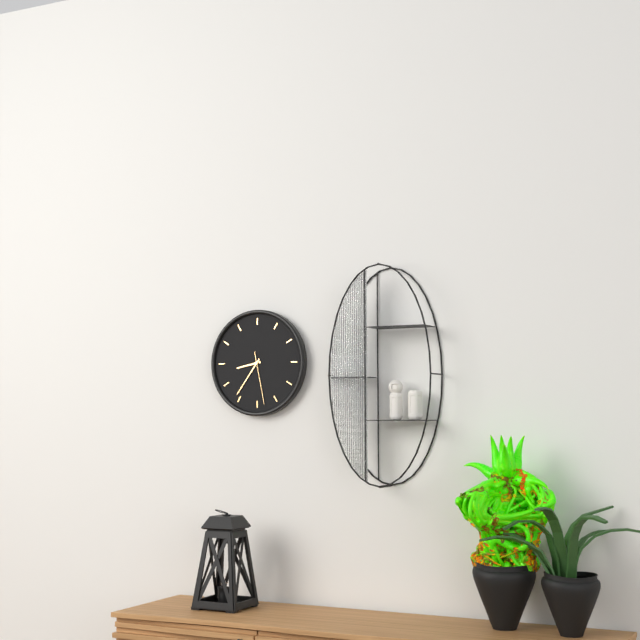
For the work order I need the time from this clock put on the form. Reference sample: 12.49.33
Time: 8.36.28
